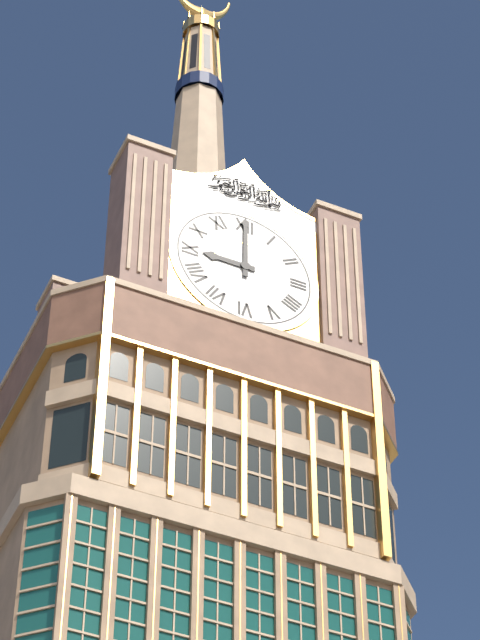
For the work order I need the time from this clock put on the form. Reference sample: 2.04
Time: 9.00
